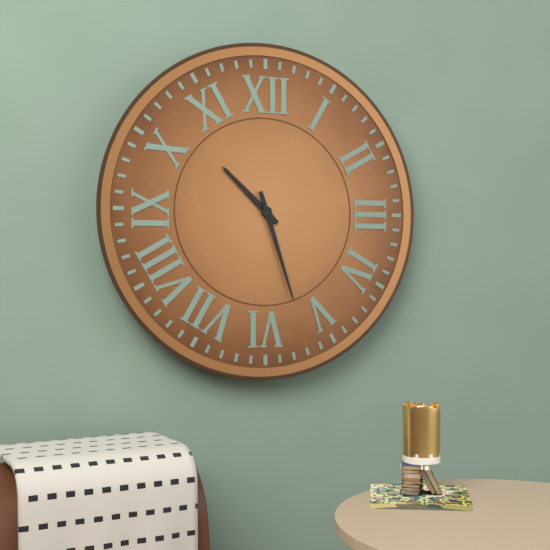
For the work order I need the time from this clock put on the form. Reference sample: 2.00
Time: 10.27
